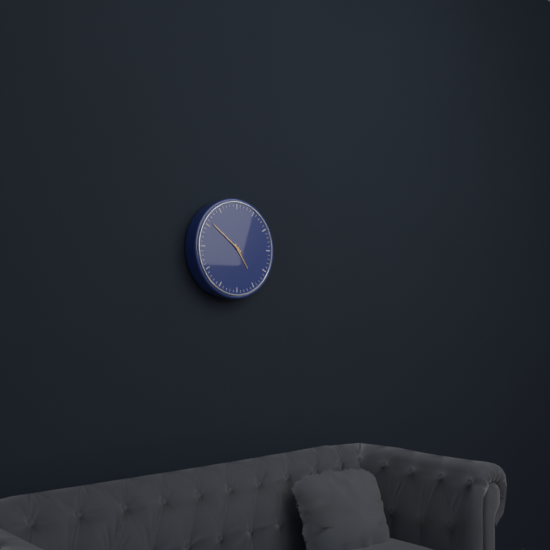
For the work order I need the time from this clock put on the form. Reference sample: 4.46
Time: 4.51
